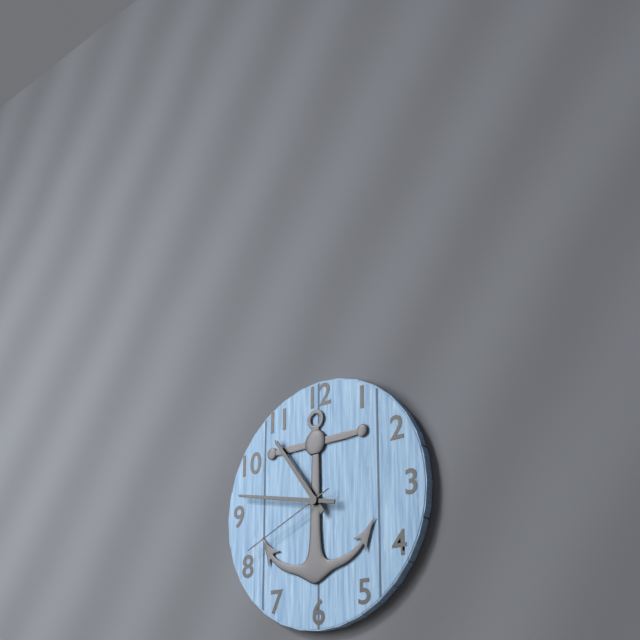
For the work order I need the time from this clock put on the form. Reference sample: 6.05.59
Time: 10.47.41
